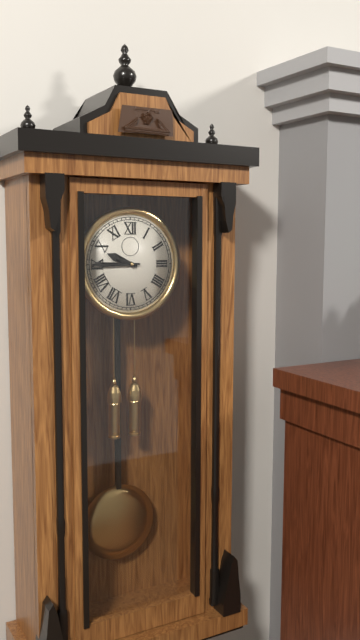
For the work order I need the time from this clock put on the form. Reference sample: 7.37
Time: 9.45
